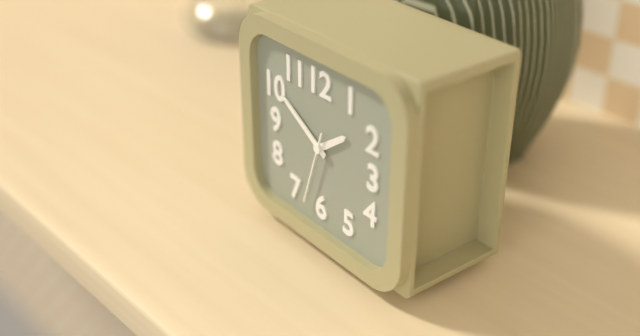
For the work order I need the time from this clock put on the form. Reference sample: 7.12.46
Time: 1.50.33
